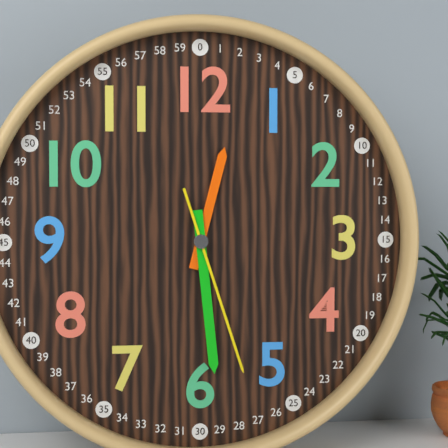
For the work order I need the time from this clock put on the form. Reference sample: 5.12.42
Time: 12.29.27
